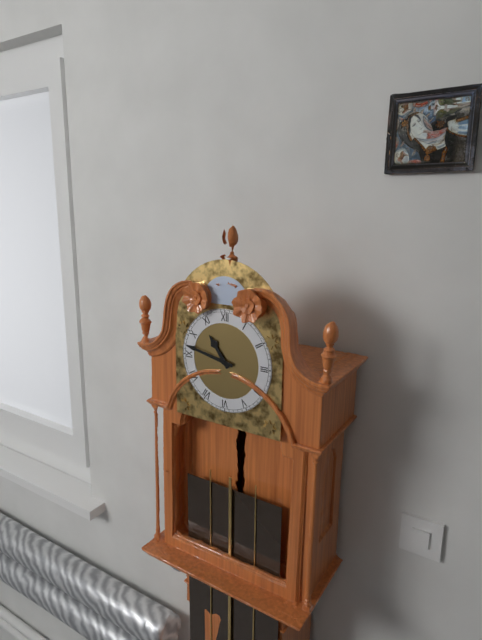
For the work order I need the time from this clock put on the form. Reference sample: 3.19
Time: 10.47
